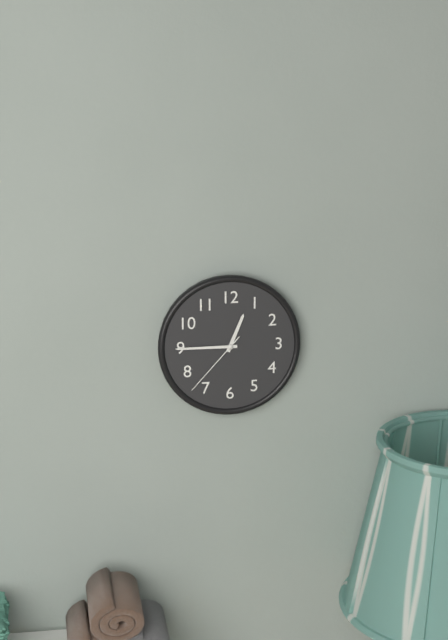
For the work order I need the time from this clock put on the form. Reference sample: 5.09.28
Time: 12.45.37
